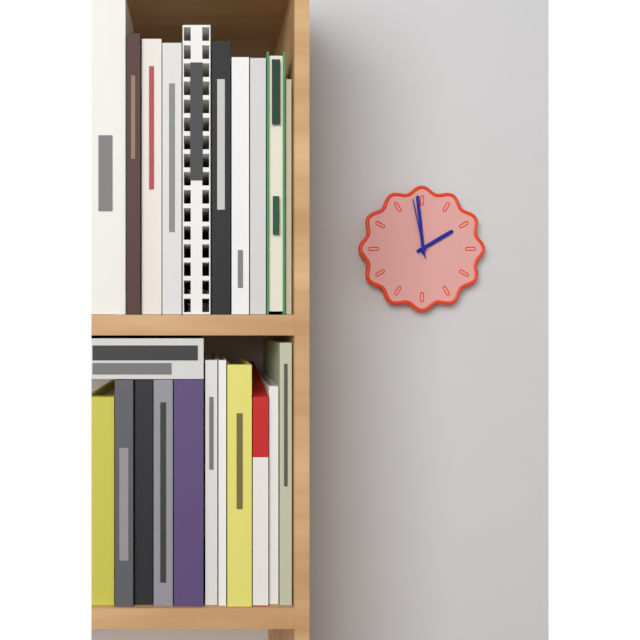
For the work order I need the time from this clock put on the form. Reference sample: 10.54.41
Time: 1.59.58
